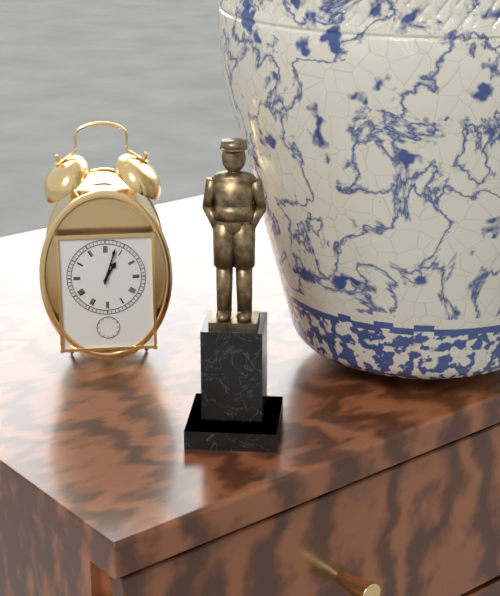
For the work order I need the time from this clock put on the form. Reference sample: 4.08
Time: 1.03
